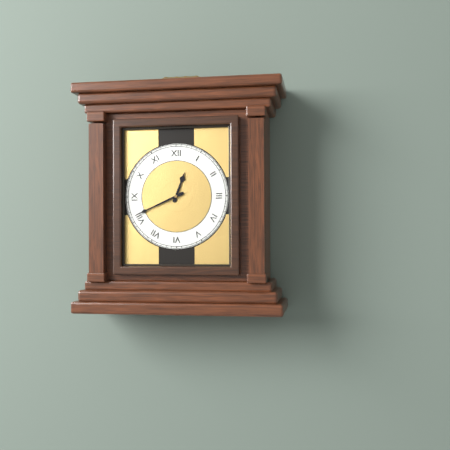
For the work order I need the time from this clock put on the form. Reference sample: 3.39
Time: 12.41
